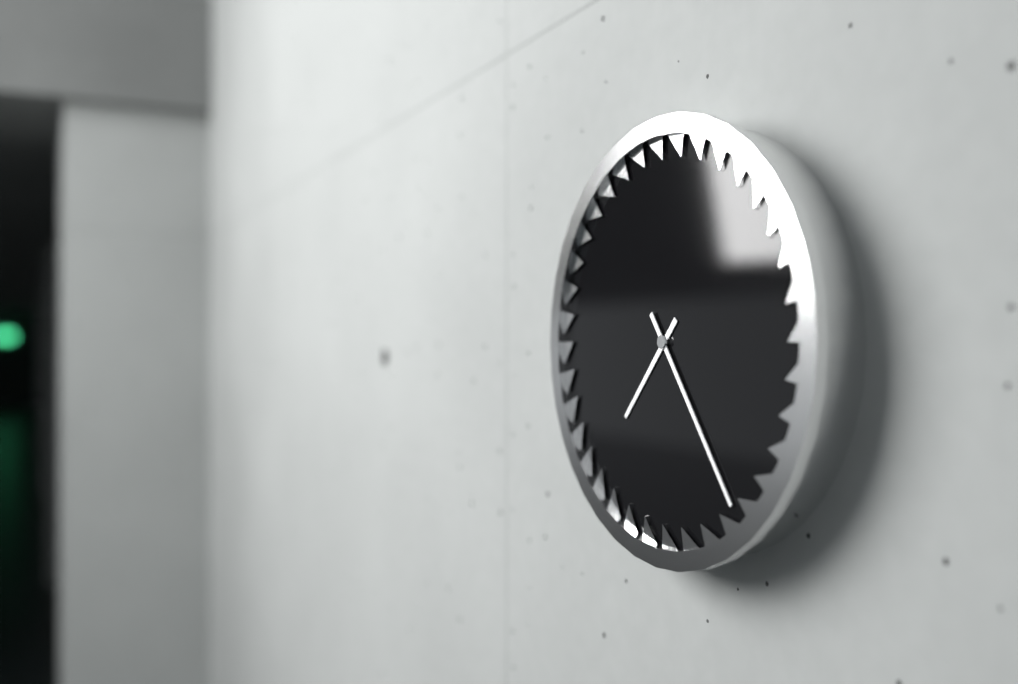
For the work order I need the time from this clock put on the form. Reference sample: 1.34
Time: 7.24
